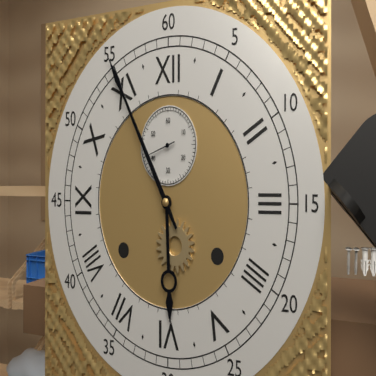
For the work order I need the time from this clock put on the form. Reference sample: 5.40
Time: 5.55
